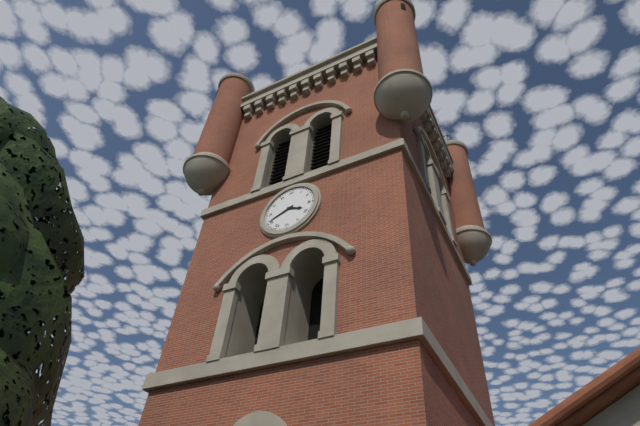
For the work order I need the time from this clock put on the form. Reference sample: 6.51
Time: 3.41
